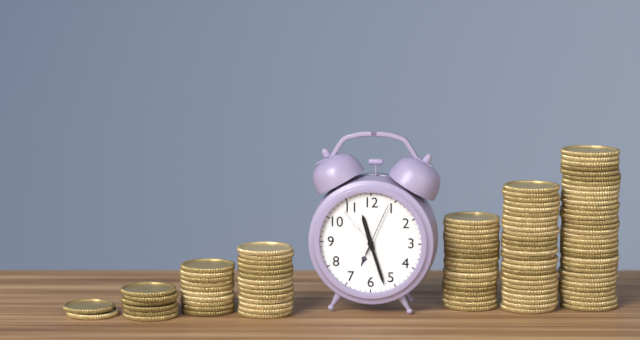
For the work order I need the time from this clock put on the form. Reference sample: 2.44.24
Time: 11.27.04
